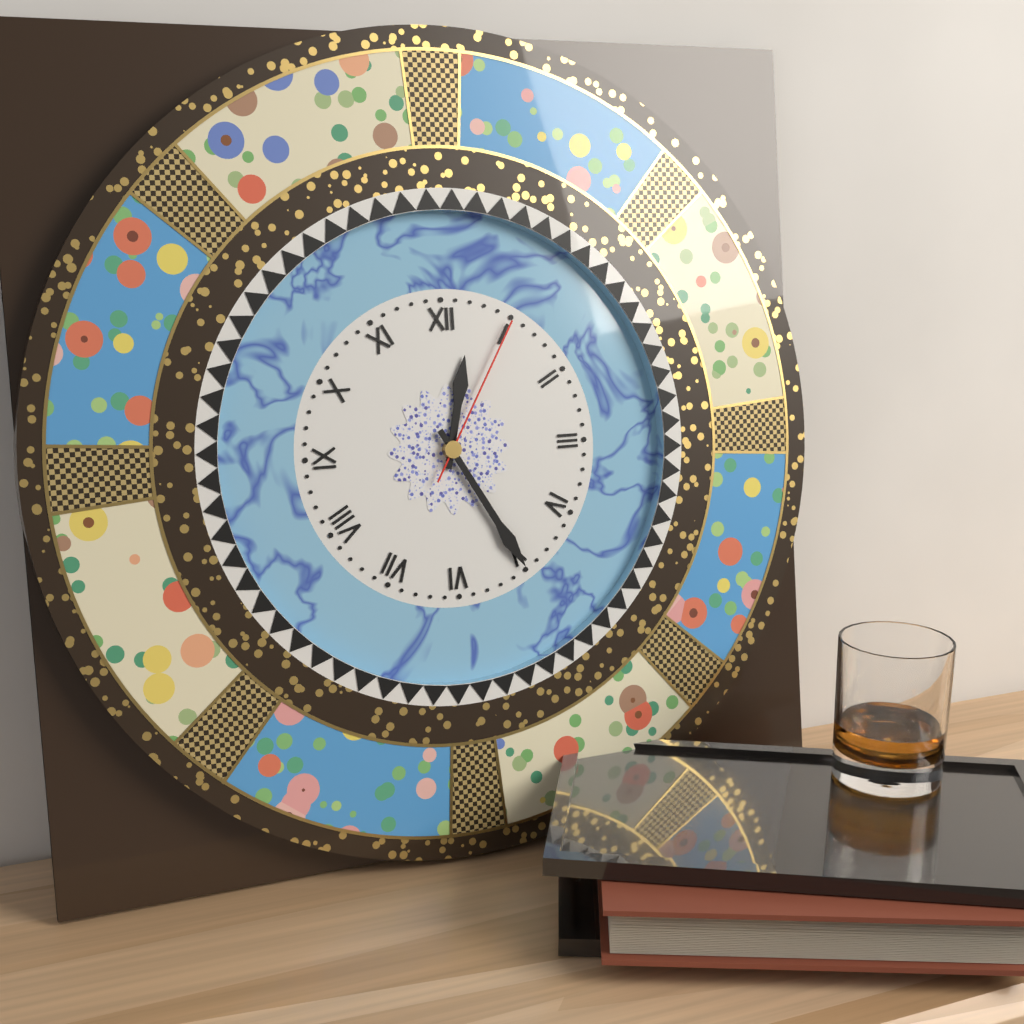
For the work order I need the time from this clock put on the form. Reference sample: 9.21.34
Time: 12.25.05
